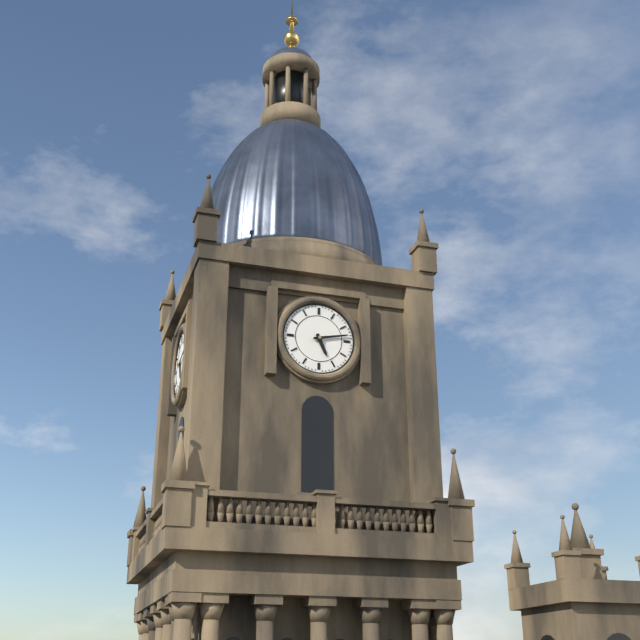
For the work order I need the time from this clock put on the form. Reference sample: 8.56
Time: 5.13
